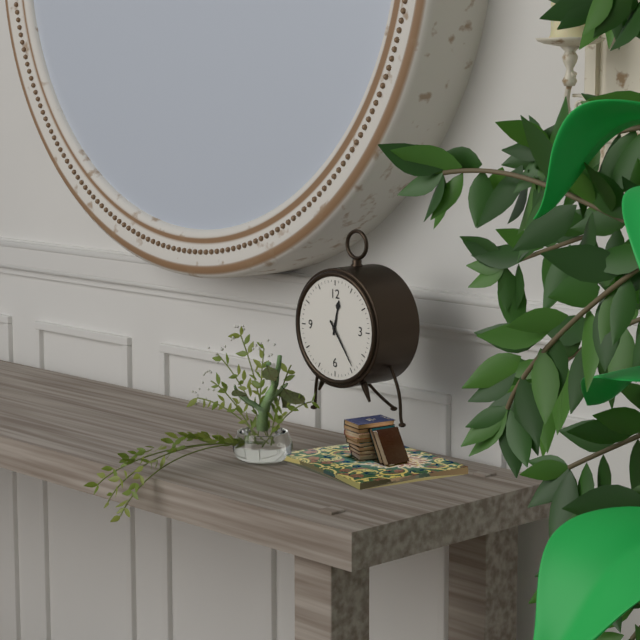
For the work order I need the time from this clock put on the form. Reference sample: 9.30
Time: 12.24
